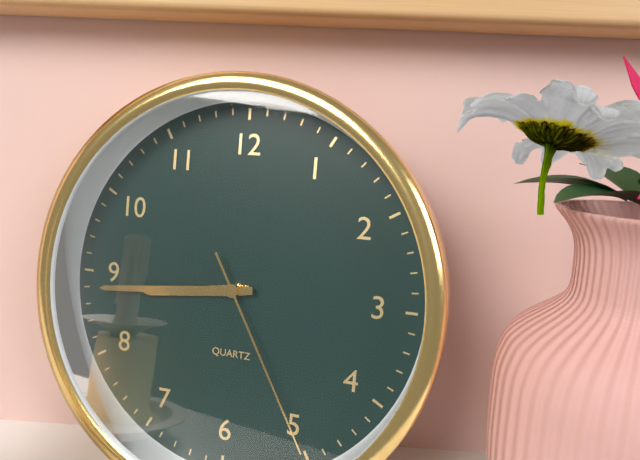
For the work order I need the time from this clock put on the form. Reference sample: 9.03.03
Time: 8.44.25
